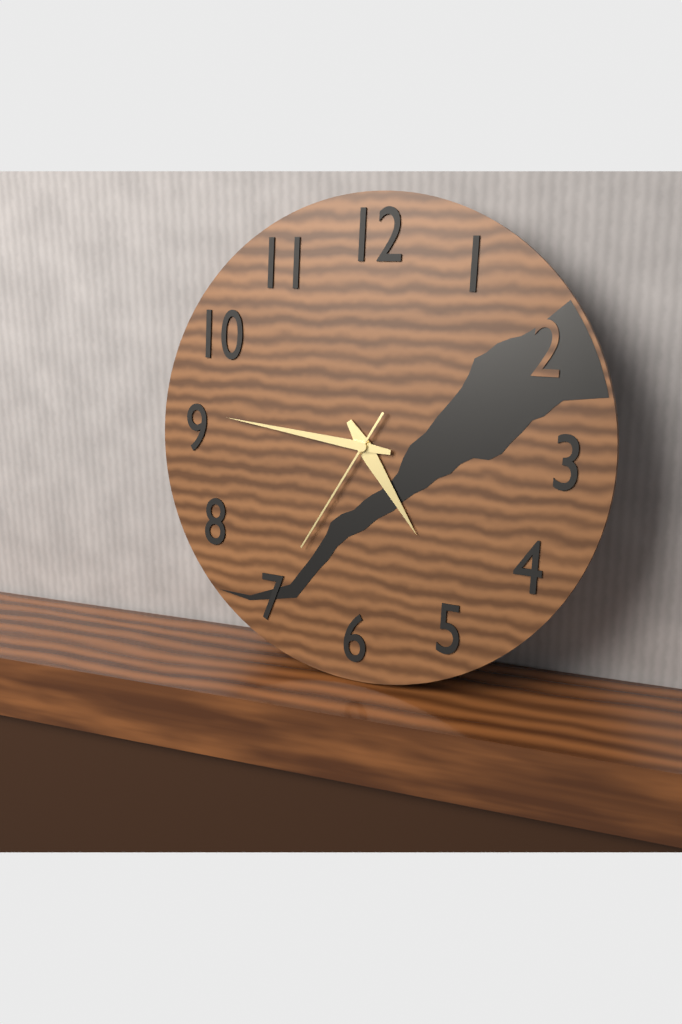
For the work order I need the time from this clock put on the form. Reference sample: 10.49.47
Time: 4.46.35
